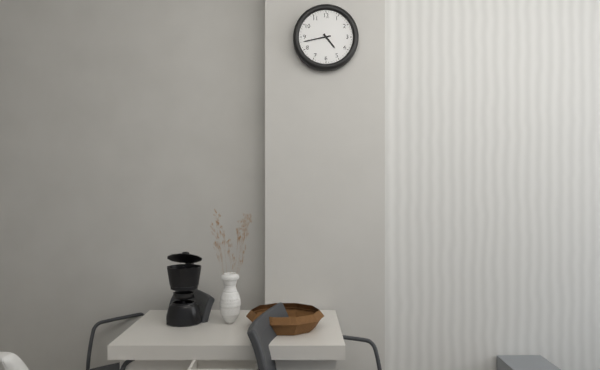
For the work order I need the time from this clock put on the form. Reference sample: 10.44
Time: 4.43
